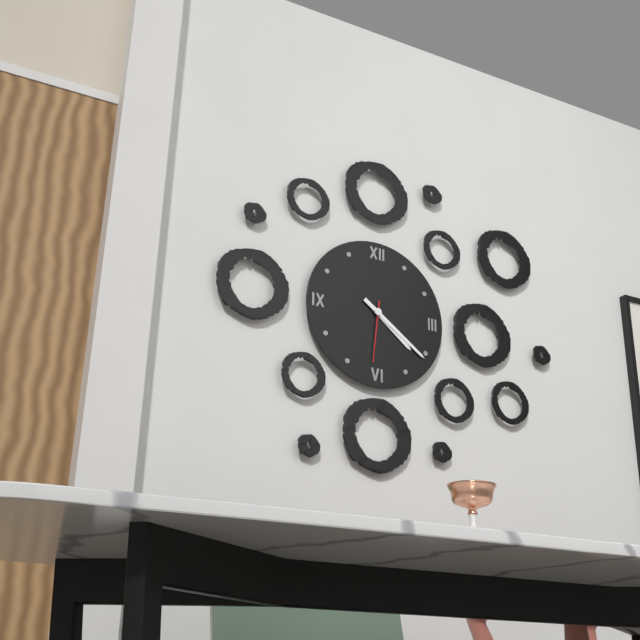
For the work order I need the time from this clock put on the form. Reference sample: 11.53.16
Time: 4.21.31
